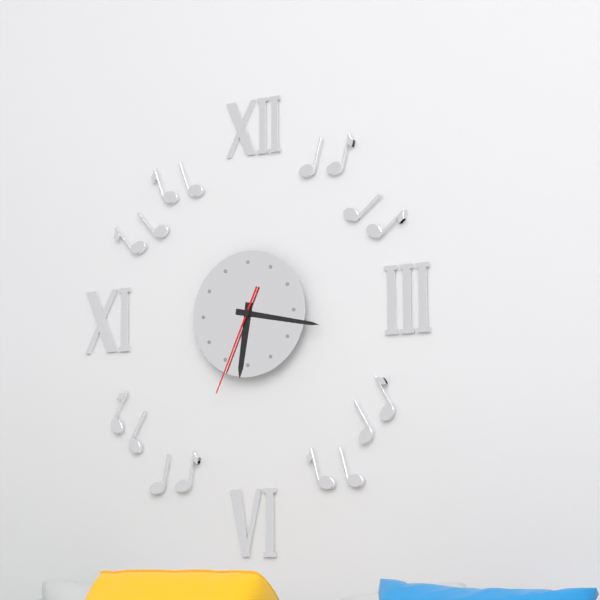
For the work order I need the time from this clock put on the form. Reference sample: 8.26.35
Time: 6.17.34
